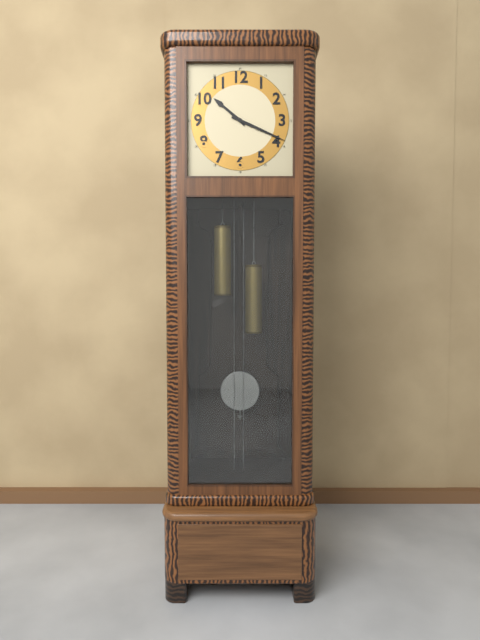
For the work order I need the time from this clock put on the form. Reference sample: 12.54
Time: 10.19
